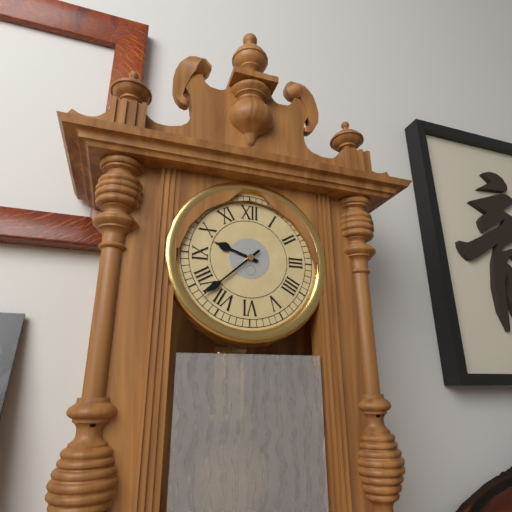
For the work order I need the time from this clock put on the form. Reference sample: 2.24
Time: 9.38
